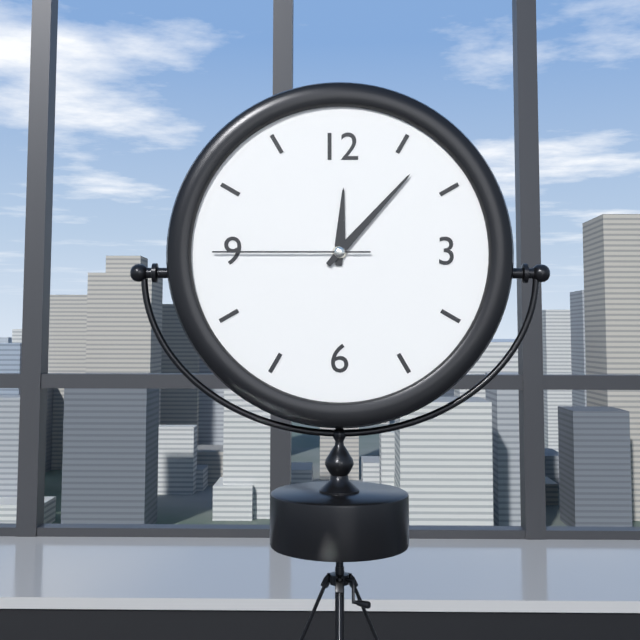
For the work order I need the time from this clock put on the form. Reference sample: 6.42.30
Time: 12.07.45
